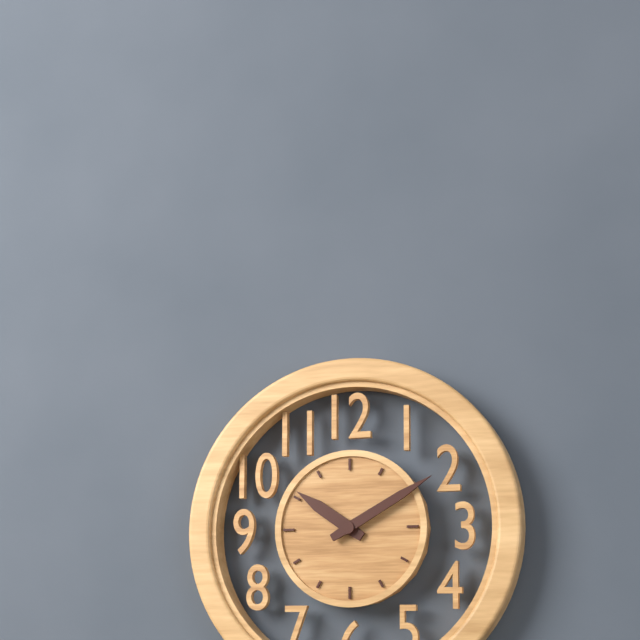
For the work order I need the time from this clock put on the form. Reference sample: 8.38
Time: 10.10
